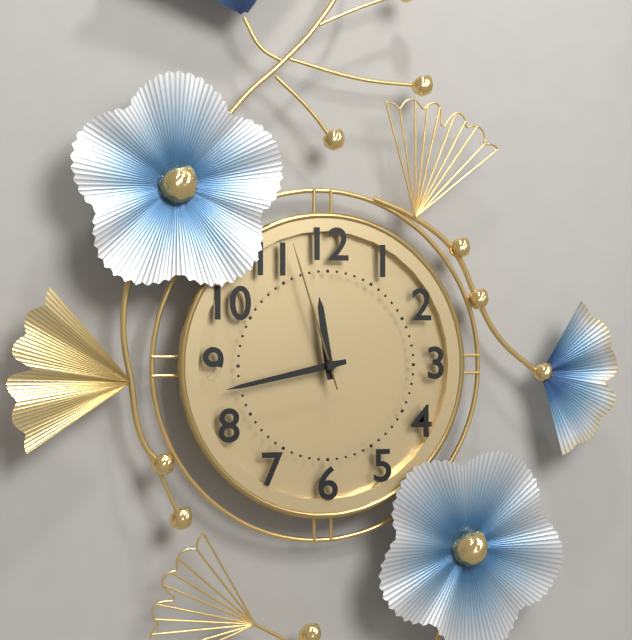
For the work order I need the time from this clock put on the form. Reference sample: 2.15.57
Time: 11.43.57
